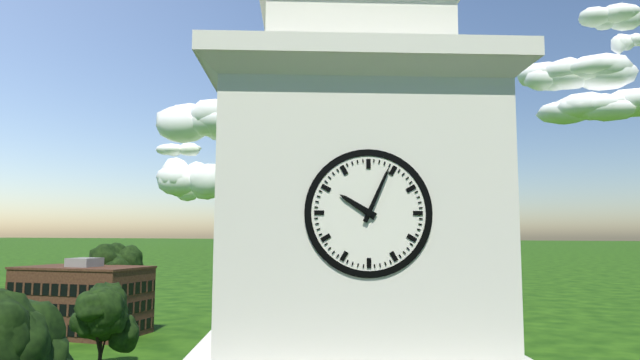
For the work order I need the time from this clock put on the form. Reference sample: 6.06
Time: 10.04
